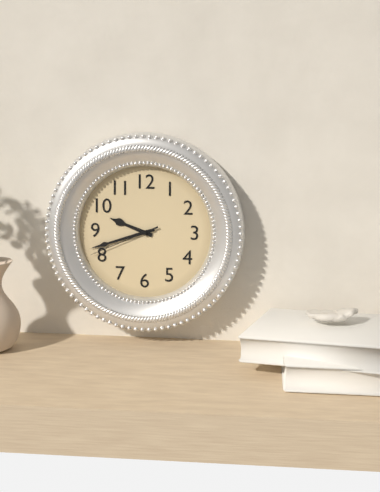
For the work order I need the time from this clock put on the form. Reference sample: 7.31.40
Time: 9.42.41
